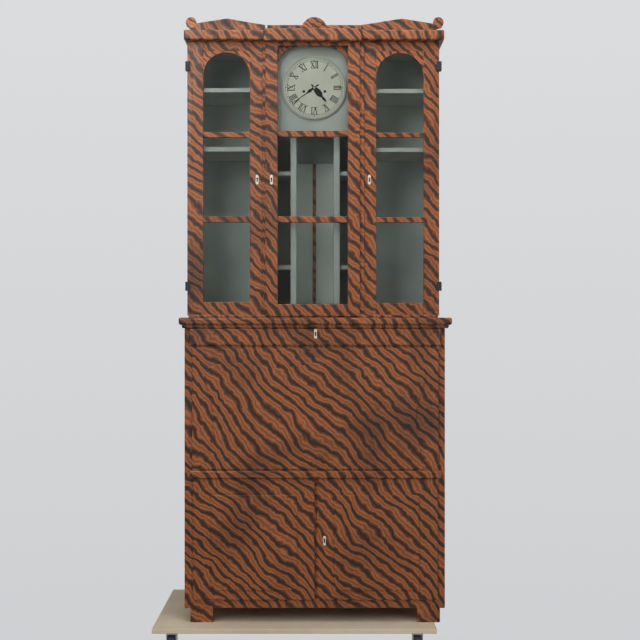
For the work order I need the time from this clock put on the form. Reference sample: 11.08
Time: 4.39
